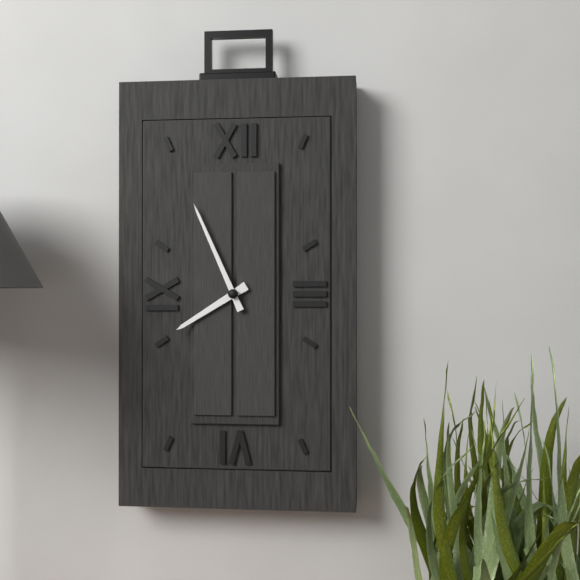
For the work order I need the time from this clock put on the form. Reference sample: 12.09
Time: 7.56
